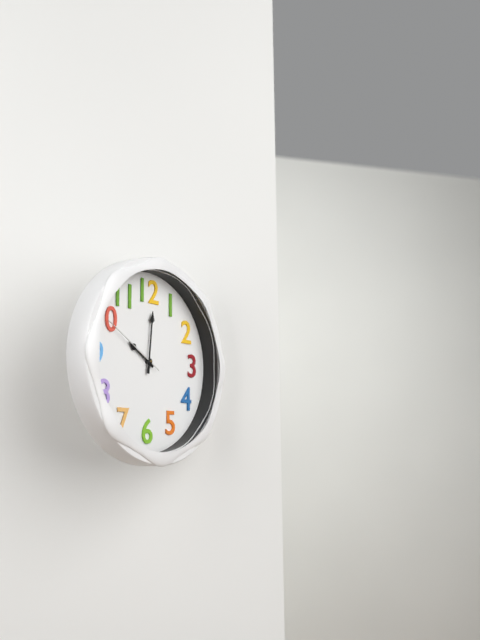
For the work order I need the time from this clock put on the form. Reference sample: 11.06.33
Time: 10.01.50
